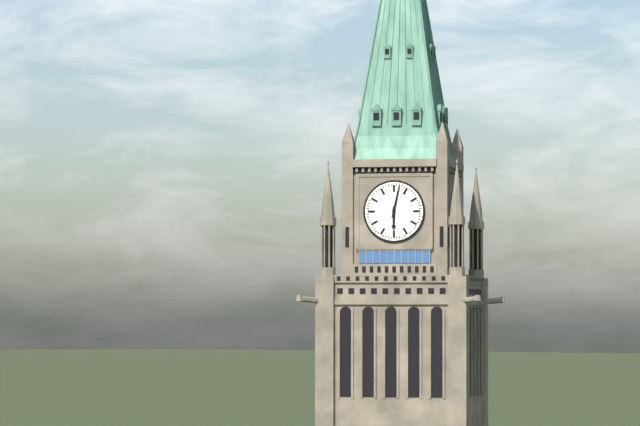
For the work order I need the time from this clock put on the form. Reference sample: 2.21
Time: 6.02
